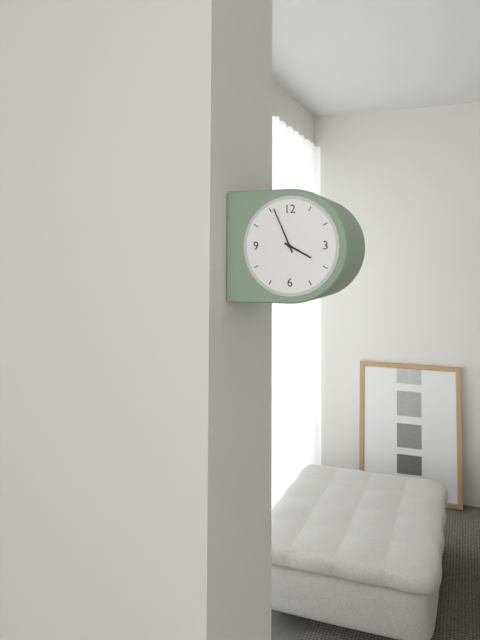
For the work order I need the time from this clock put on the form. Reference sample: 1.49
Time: 3.56
